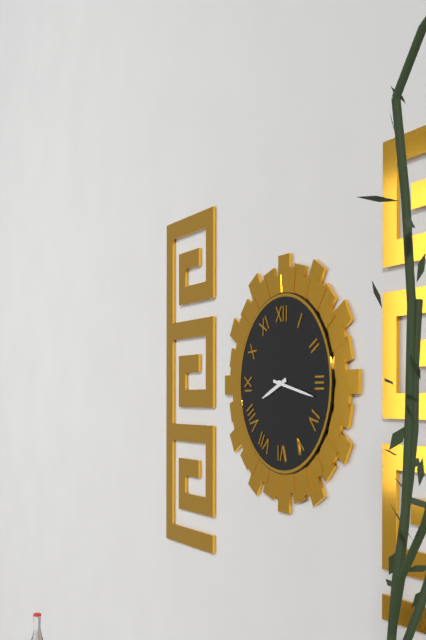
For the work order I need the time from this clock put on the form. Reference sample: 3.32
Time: 8.17
